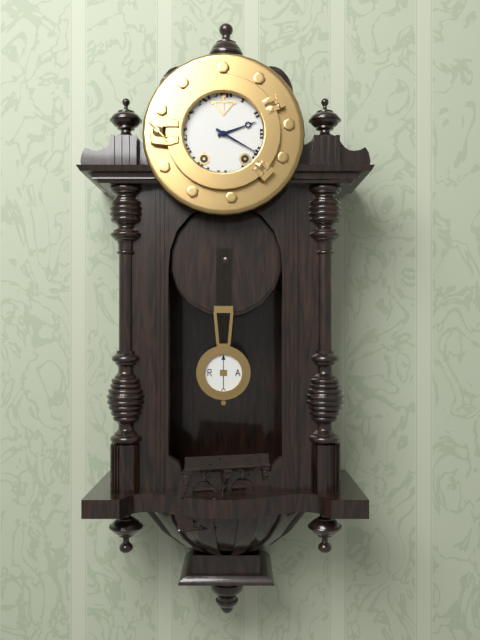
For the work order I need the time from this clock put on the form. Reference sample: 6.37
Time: 2.20
